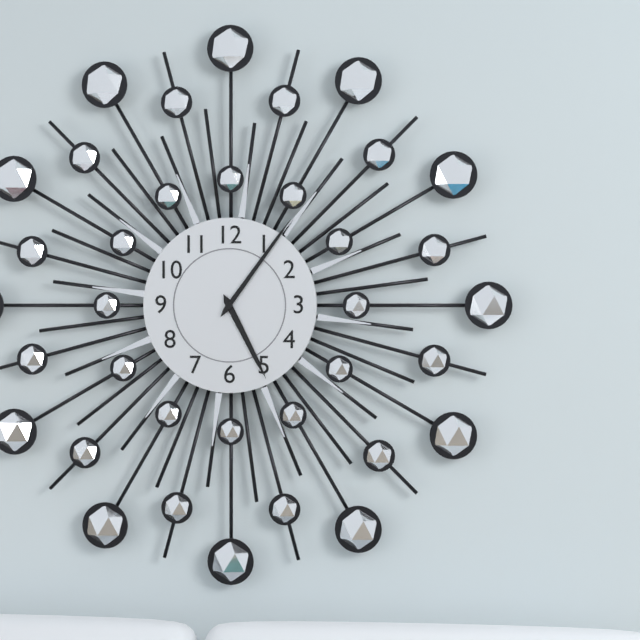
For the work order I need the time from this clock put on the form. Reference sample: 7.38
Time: 5.06
